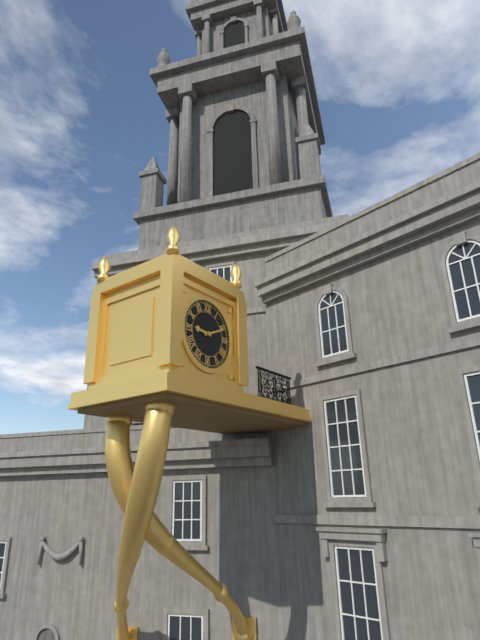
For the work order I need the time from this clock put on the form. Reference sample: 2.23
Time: 9.11
